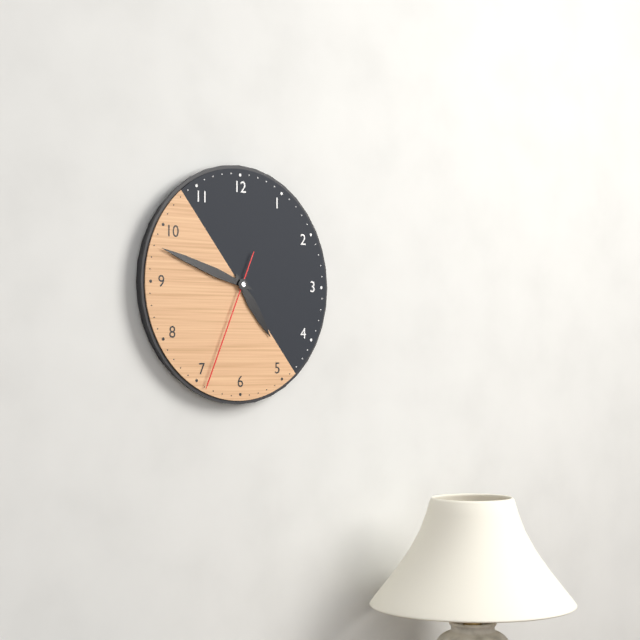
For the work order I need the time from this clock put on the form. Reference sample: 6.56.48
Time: 4.48.34
